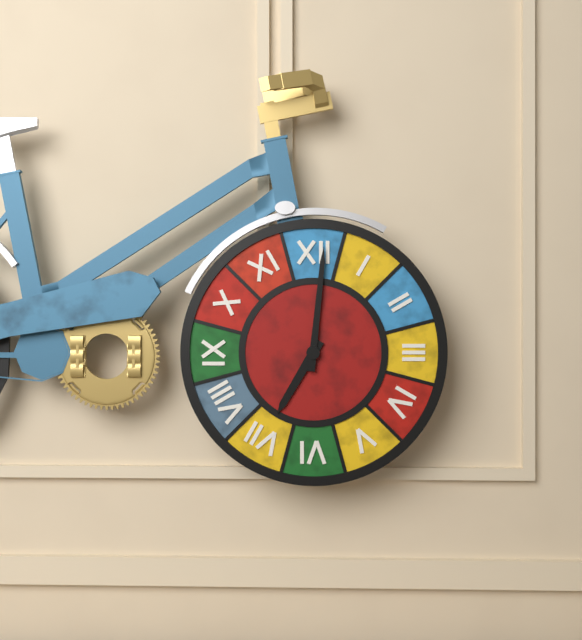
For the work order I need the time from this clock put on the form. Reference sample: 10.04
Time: 7.01
